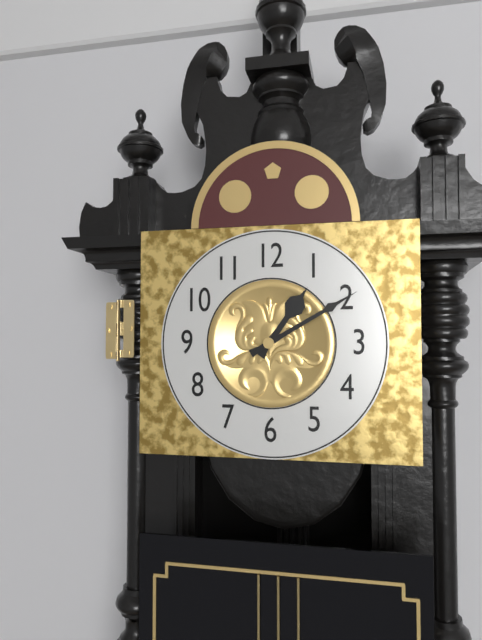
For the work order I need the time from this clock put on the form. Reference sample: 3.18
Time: 1.10
